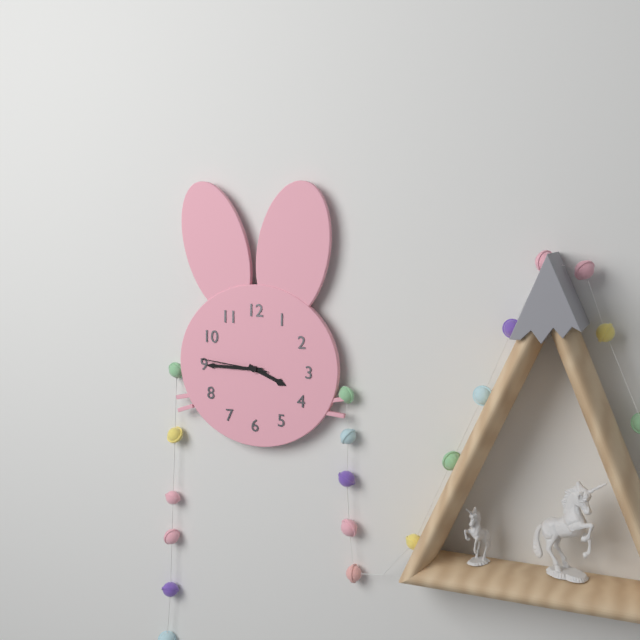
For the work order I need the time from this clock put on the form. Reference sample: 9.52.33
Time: 3.45.46
